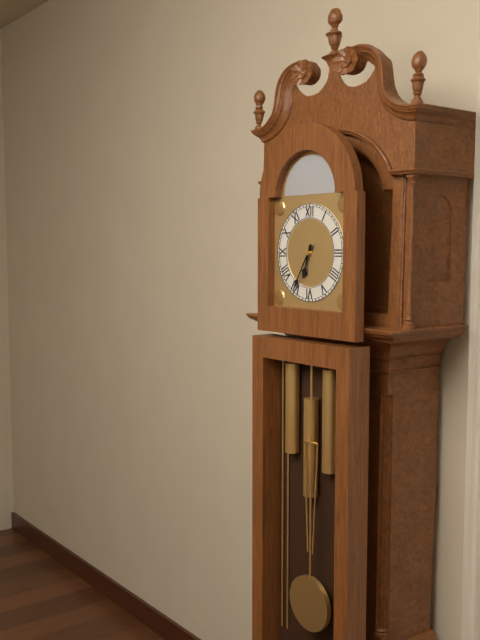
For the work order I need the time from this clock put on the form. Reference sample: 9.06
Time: 6.35
